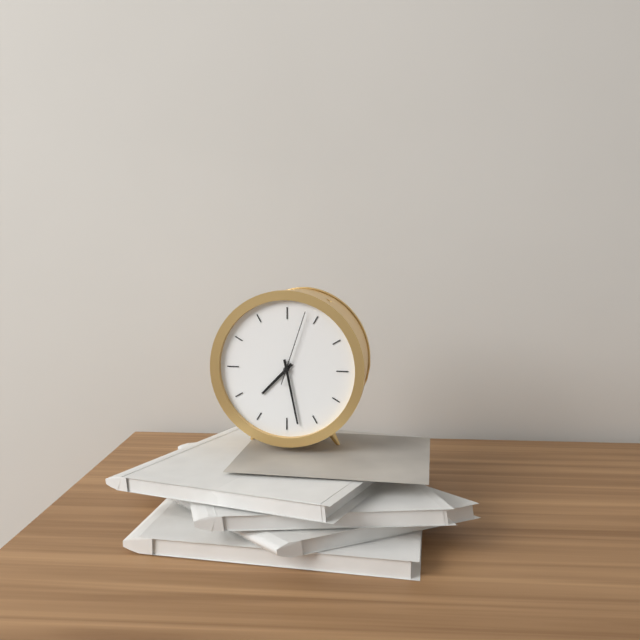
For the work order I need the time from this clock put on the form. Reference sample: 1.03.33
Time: 7.28.03
